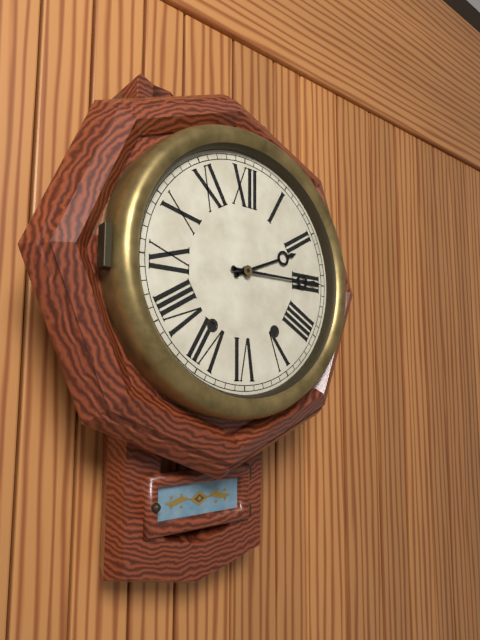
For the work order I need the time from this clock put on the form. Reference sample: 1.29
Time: 2.15
